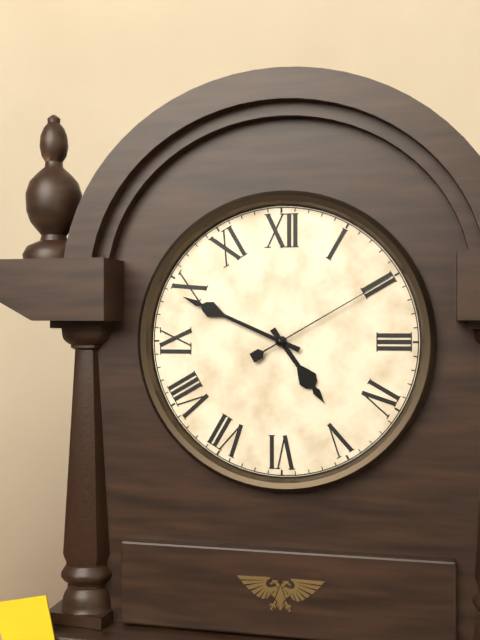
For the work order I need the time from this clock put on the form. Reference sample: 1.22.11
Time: 4.49.10
